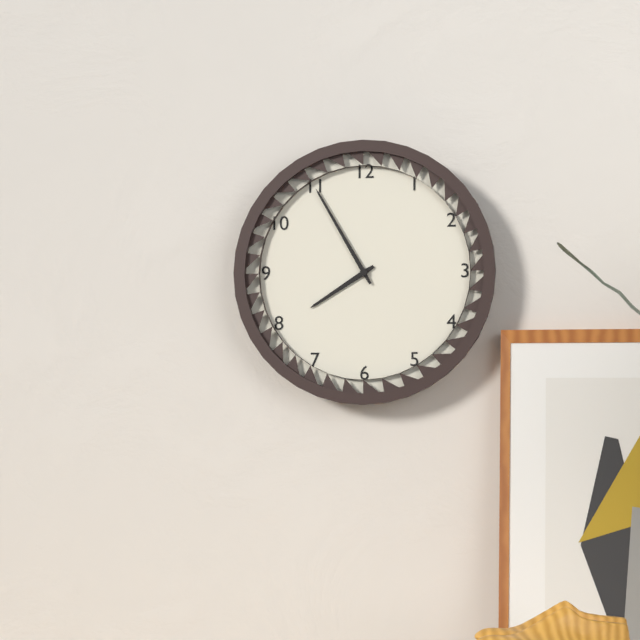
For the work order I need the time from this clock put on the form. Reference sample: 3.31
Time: 7.55
